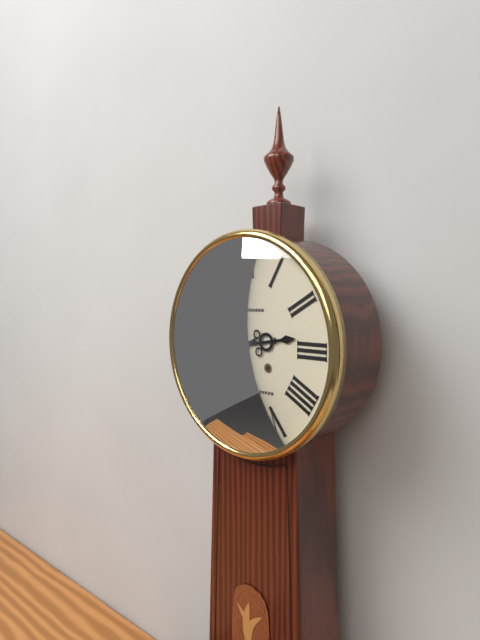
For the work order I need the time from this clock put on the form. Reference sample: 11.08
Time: 2.42
